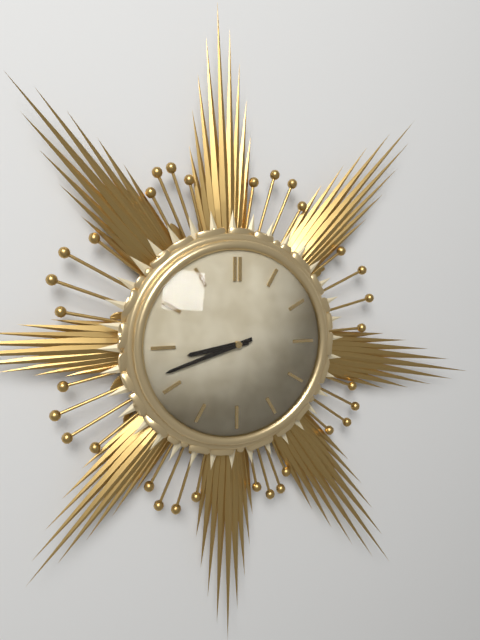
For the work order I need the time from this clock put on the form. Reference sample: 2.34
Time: 8.42
